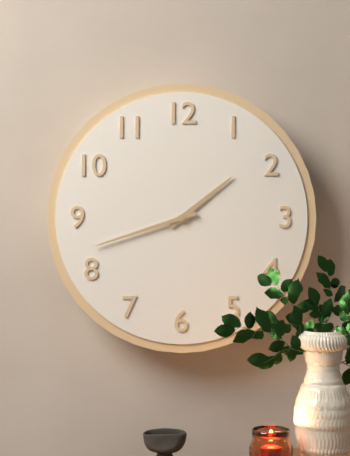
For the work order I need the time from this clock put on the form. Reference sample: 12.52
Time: 1.42
